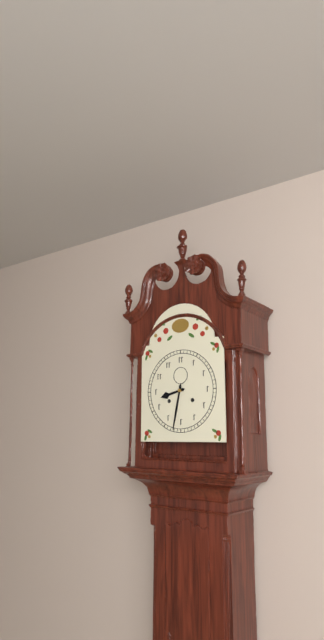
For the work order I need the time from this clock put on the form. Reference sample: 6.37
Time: 8.32
